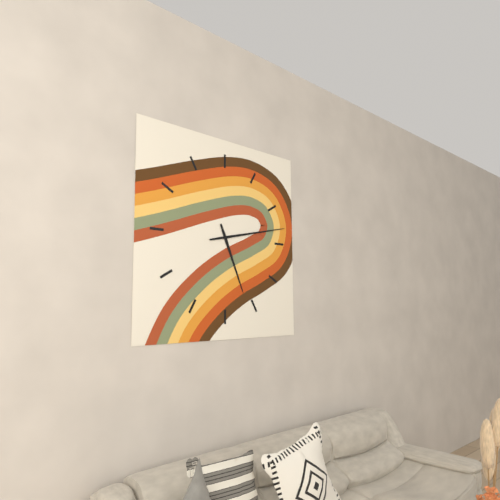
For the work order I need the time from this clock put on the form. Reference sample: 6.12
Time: 5.13
